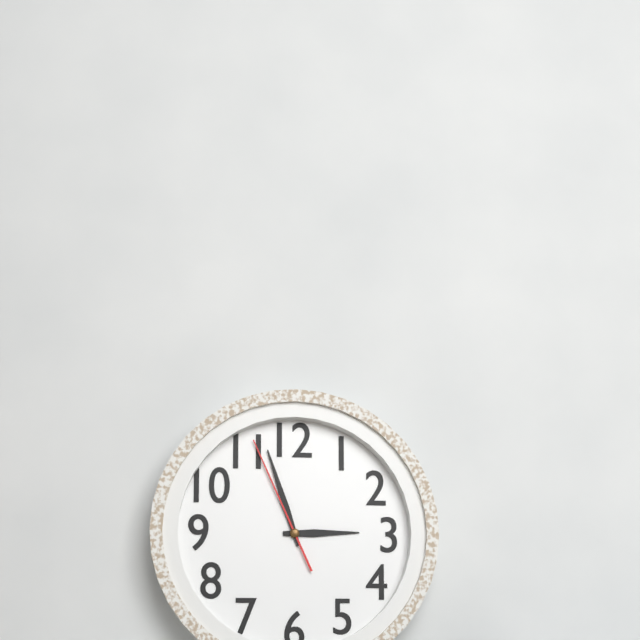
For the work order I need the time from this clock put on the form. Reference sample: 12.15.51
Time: 2.57.56
